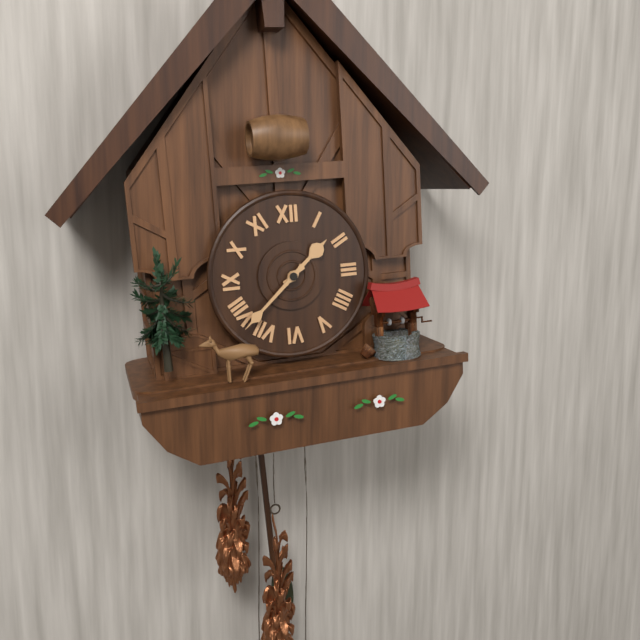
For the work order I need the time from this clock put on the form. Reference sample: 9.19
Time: 1.38
